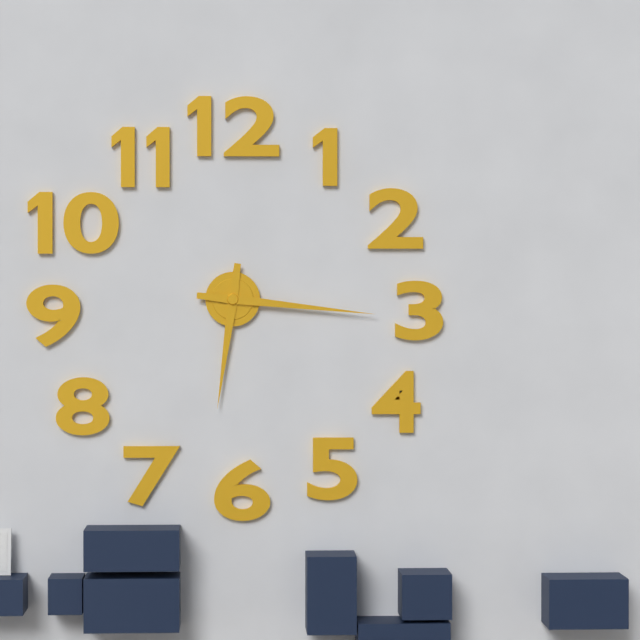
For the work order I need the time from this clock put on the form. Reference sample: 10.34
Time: 6.16
